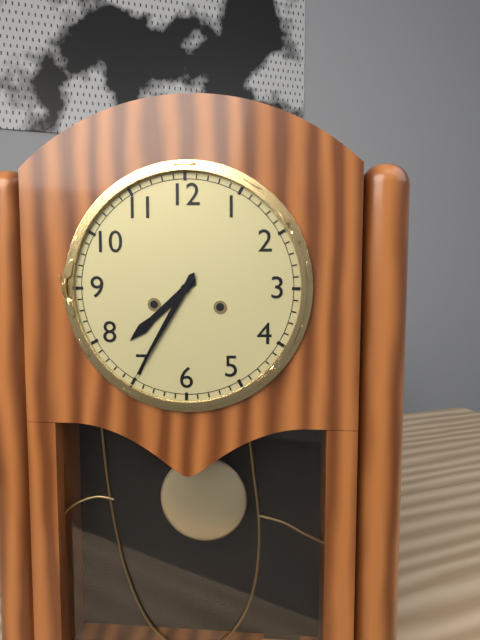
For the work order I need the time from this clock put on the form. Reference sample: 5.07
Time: 7.35
